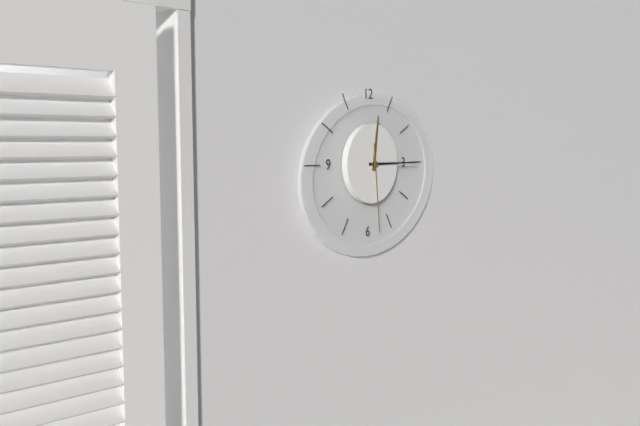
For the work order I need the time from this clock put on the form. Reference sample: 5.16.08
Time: 12.15.29
